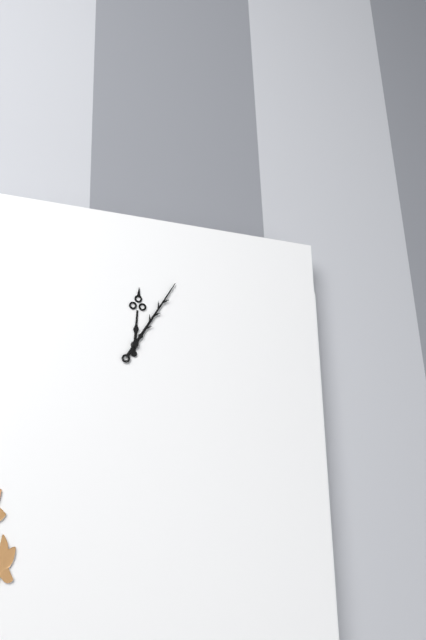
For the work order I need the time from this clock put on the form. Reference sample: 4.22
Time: 12.05
